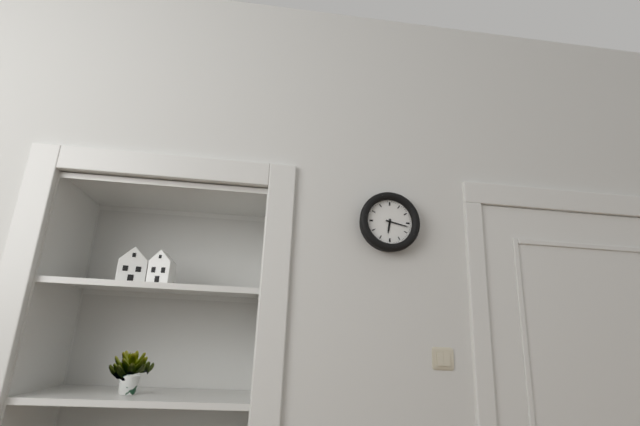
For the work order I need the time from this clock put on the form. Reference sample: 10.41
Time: 6.17
